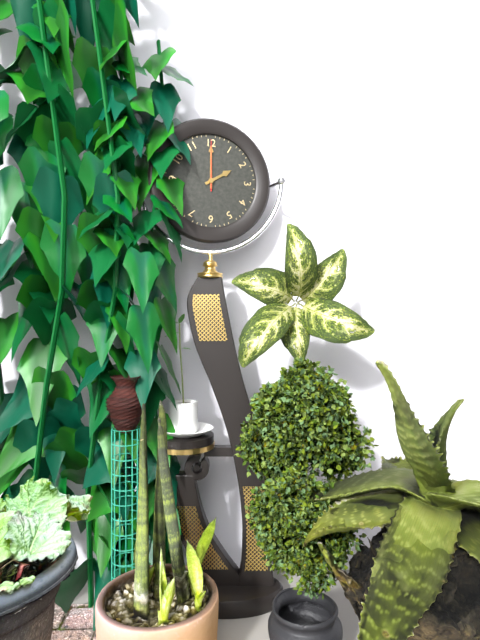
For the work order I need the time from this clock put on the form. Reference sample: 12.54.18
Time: 2.00.00
